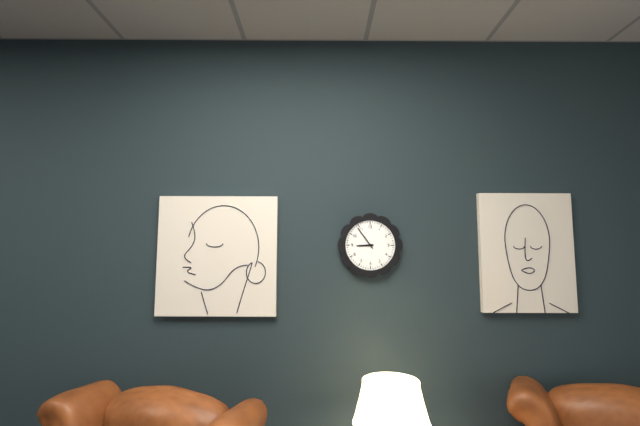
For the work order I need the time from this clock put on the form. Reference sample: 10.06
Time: 8.54
